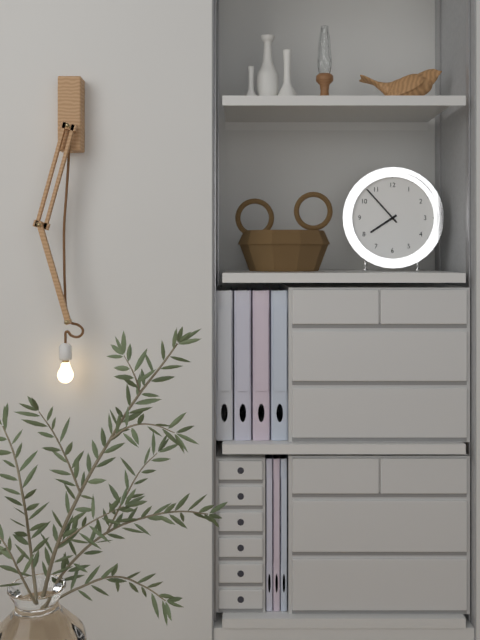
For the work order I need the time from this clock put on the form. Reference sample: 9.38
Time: 7.53
